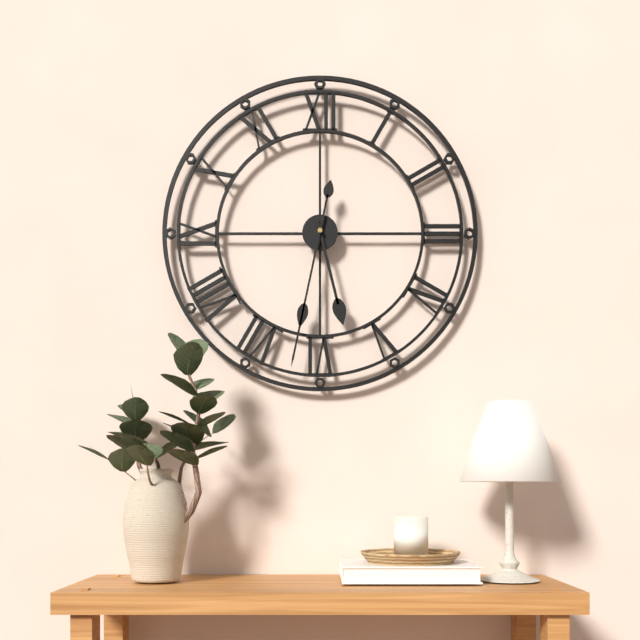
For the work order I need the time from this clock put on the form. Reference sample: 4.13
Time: 5.32
